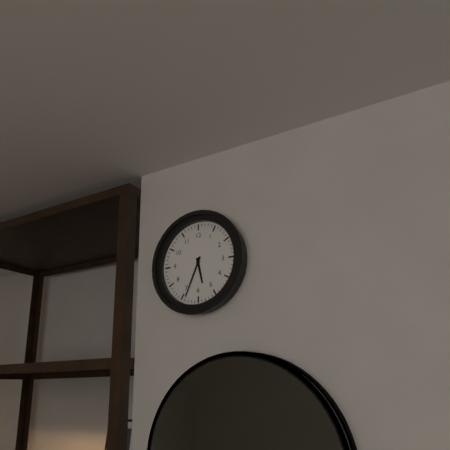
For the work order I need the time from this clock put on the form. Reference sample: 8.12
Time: 5.34
